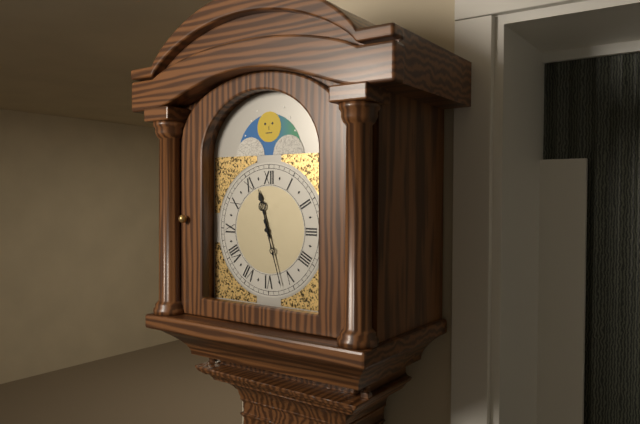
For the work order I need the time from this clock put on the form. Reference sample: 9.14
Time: 11.27
